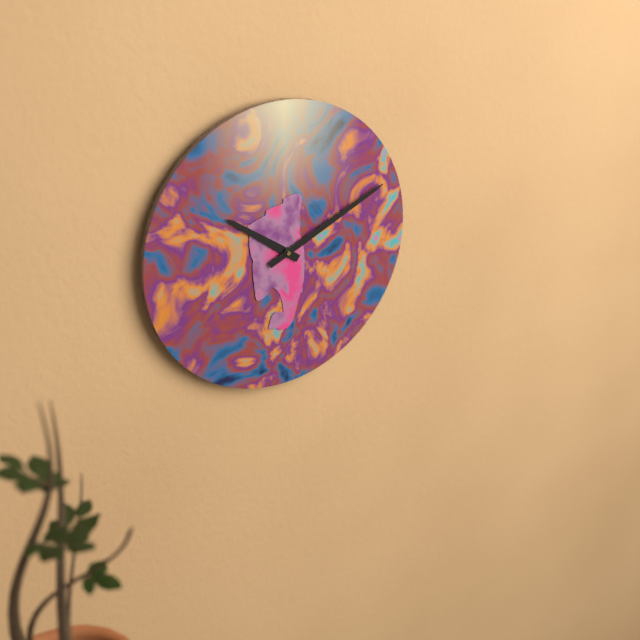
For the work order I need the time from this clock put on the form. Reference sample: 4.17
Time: 10.11
